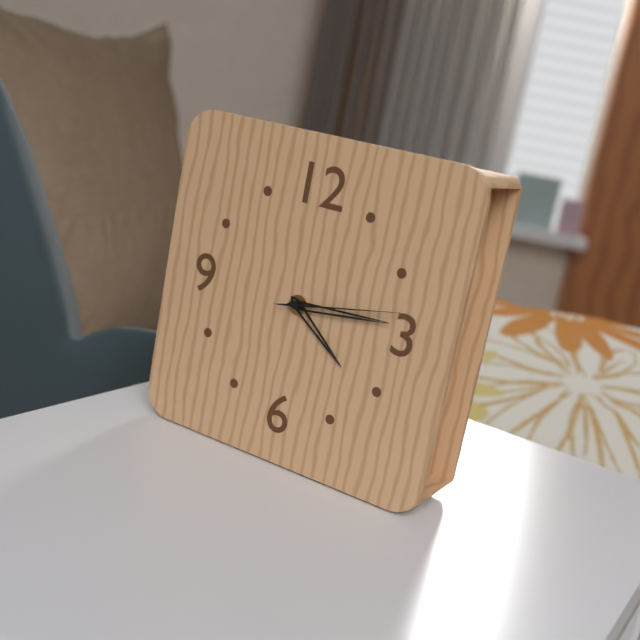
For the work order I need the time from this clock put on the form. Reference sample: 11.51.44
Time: 4.14.13
